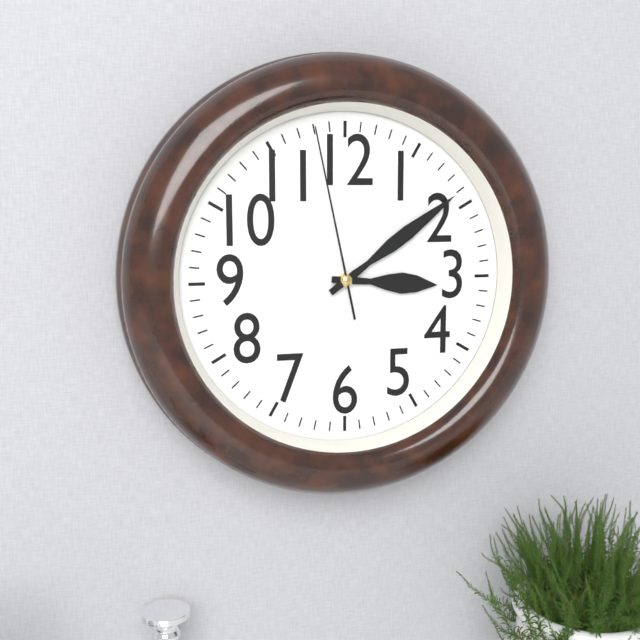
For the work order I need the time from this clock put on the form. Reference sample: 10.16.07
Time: 3.09.58
